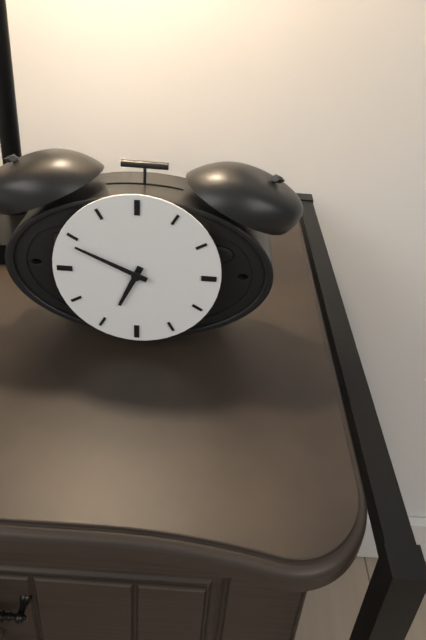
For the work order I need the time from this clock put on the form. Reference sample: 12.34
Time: 6.49
